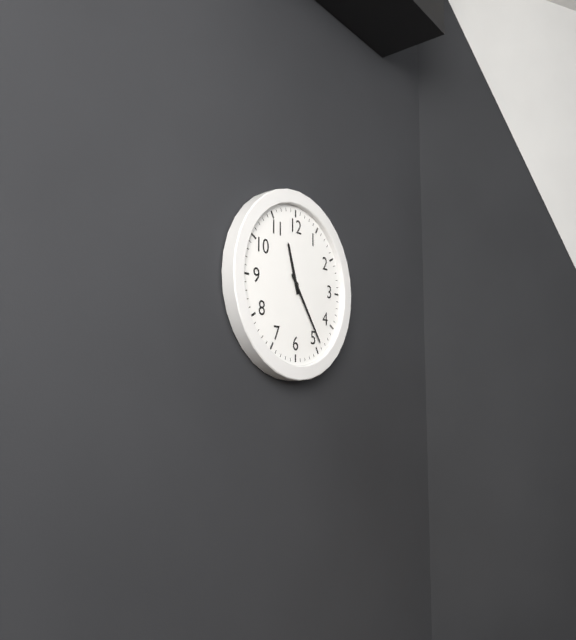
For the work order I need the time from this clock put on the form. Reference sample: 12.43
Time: 11.24
